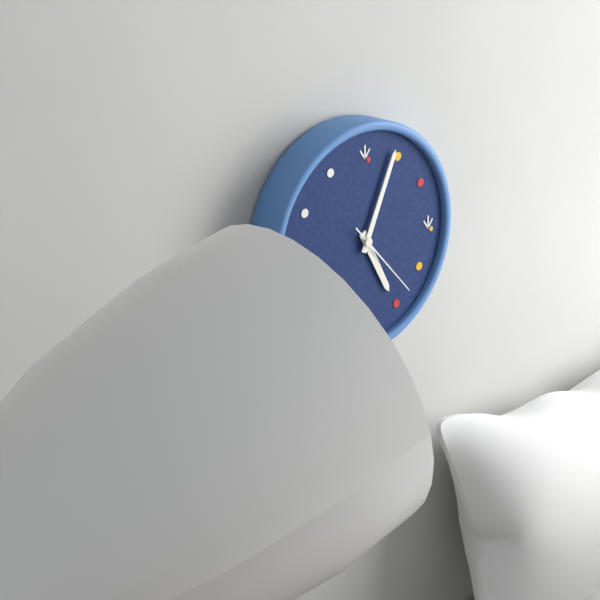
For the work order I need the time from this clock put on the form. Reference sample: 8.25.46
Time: 5.04.23
